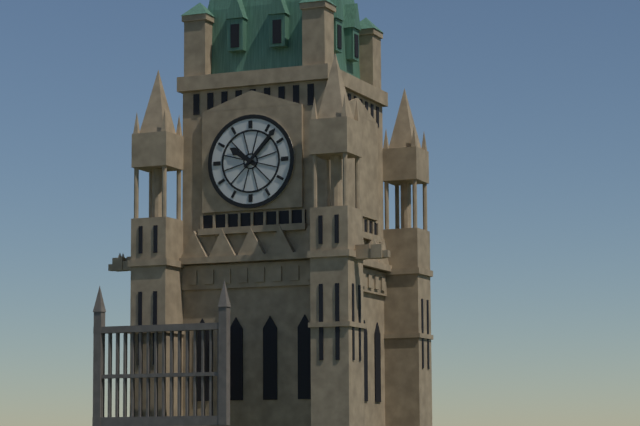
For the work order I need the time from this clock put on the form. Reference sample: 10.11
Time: 10.07
